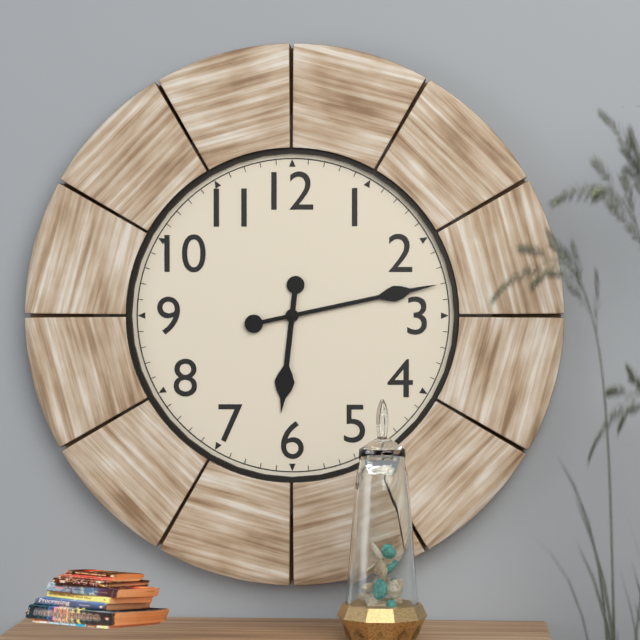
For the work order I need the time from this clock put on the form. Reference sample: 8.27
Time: 6.13
